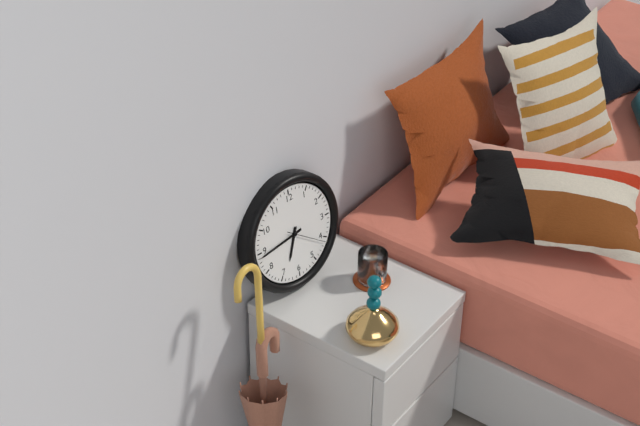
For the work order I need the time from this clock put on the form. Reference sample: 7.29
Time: 6.44
